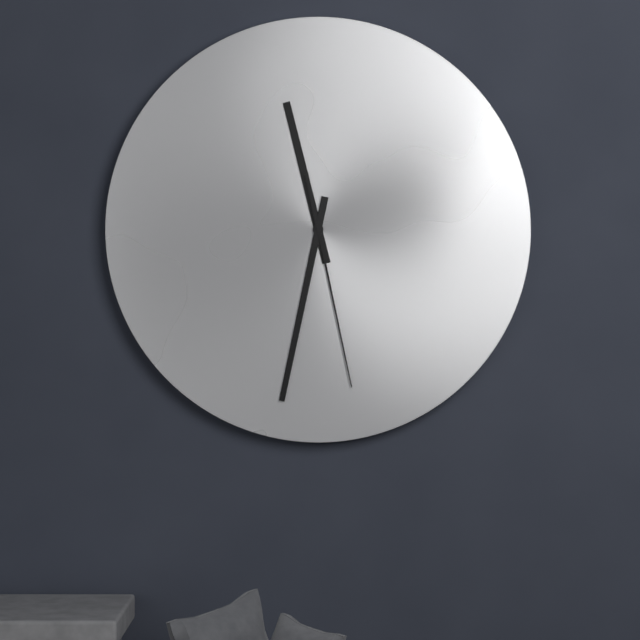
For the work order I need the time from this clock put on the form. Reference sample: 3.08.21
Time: 11.32.28
